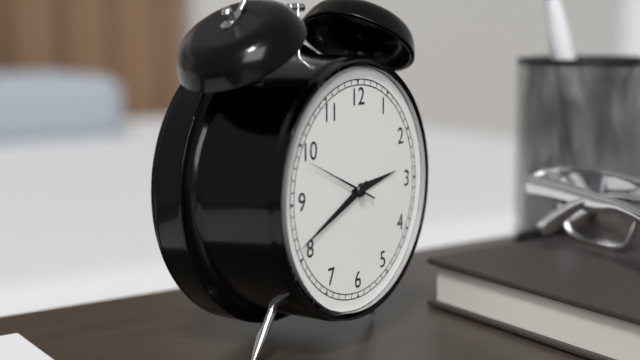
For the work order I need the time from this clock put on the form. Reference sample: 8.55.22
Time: 2.41.49
